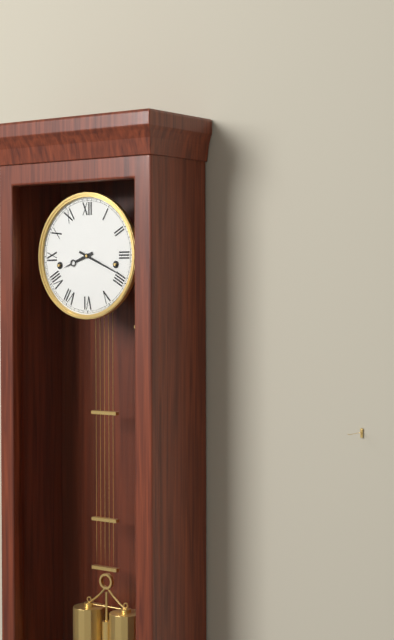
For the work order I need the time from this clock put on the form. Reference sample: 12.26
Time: 8.19
